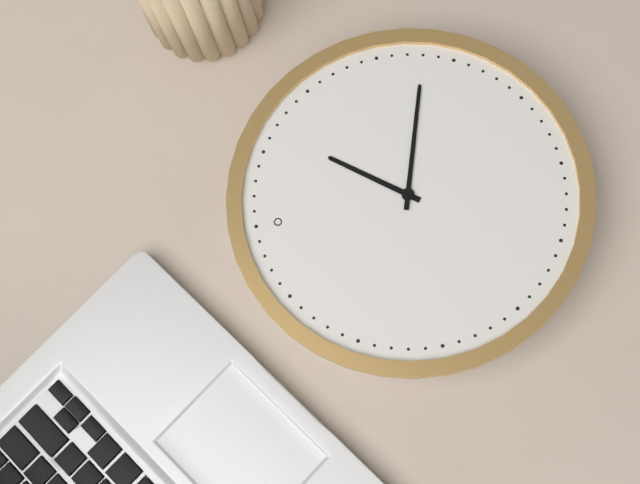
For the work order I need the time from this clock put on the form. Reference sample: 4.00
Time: 1.18
